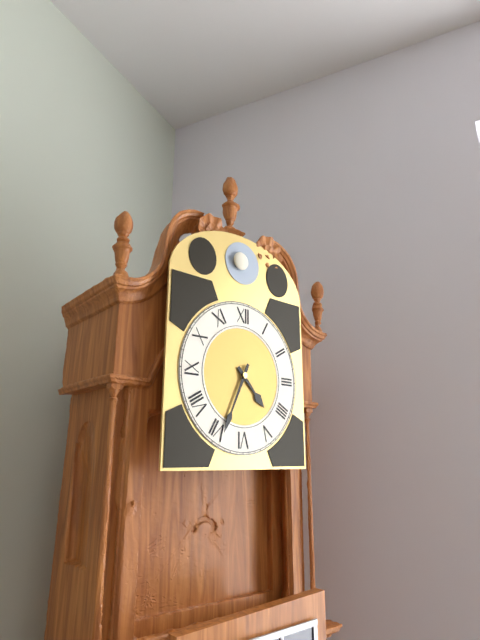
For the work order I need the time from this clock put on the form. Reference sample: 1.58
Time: 4.34
